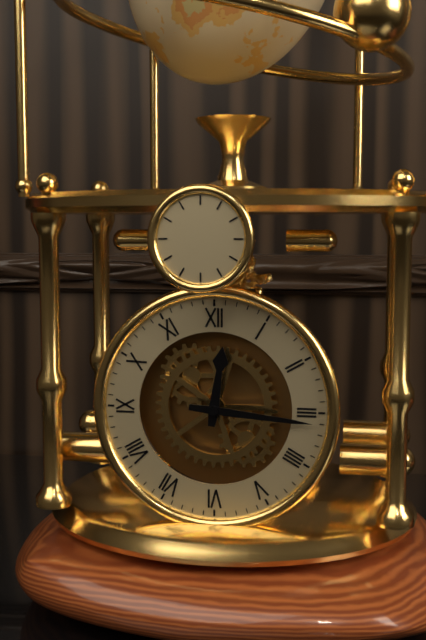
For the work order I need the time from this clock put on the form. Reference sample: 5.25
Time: 12.16
